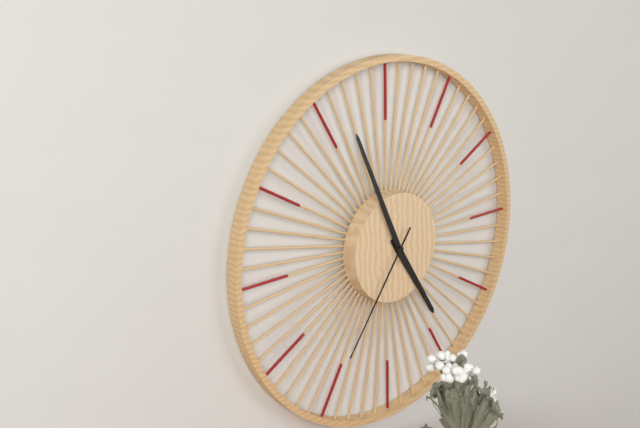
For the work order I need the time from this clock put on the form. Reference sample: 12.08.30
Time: 4.56.36
